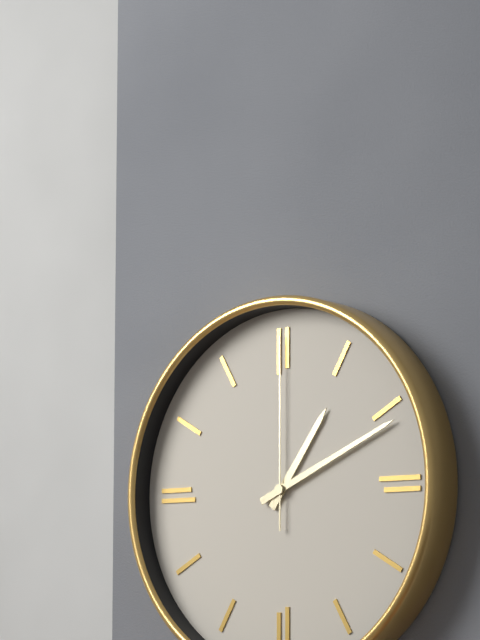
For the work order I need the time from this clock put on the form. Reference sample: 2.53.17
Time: 1.11.00
